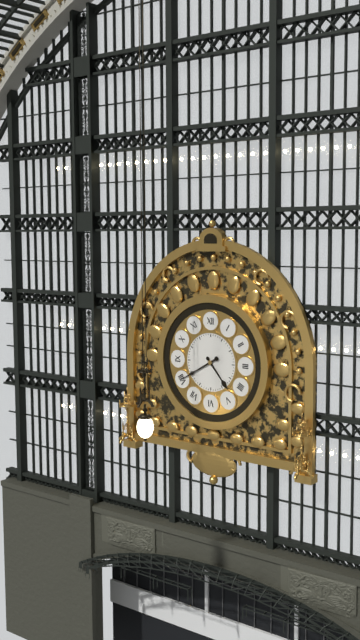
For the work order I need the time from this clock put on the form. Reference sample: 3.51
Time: 4.40
